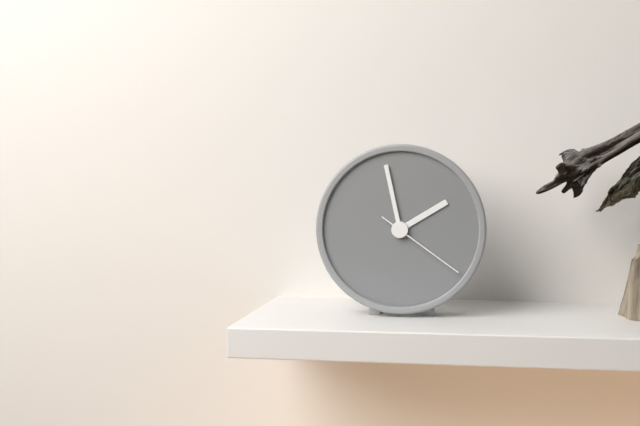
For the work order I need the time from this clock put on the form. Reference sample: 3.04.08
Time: 1.58.21
